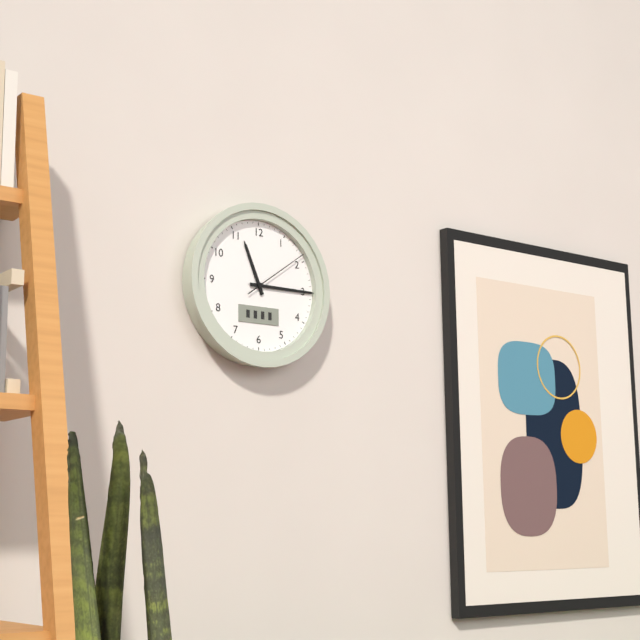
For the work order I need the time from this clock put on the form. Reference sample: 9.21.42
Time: 11.15.09
